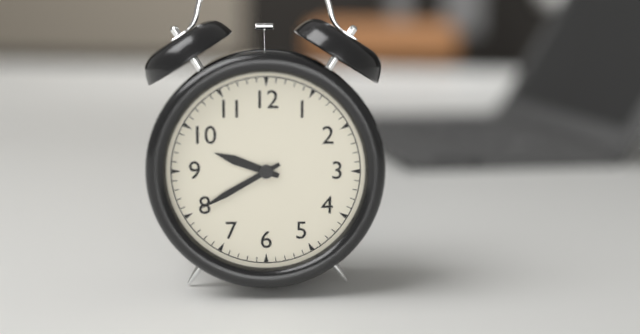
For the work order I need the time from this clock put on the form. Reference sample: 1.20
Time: 9.40
